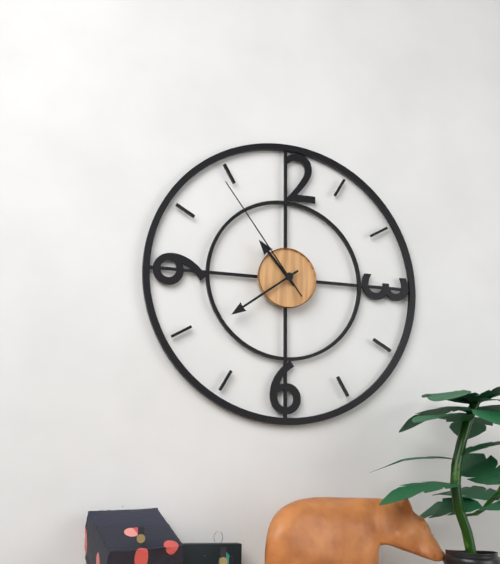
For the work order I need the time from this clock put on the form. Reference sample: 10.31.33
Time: 10.39.54
